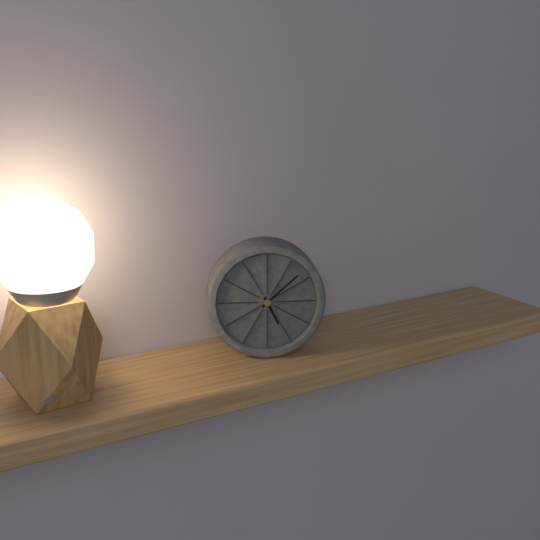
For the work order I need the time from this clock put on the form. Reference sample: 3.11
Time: 5.08
